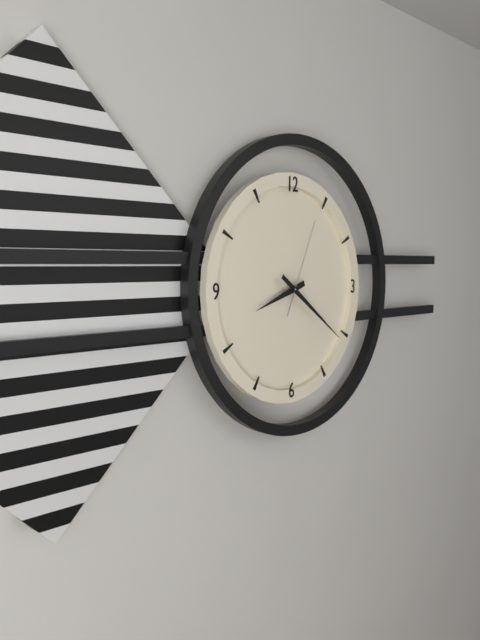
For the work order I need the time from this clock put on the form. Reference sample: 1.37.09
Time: 8.21.04
